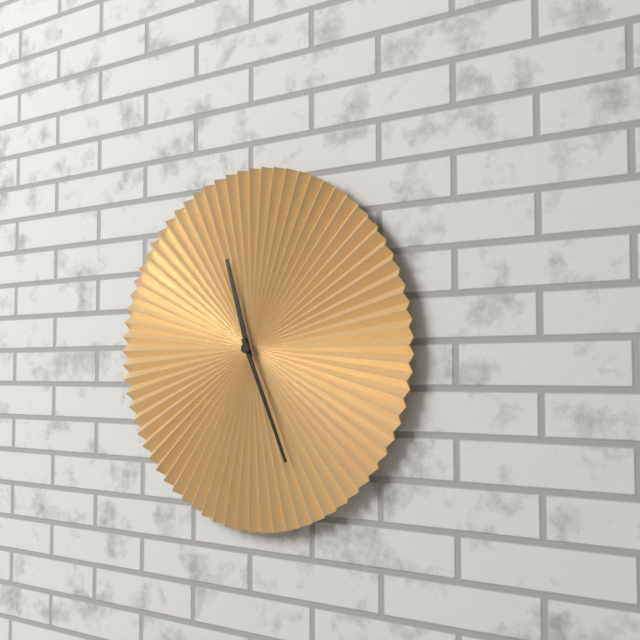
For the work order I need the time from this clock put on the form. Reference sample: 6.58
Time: 11.26
